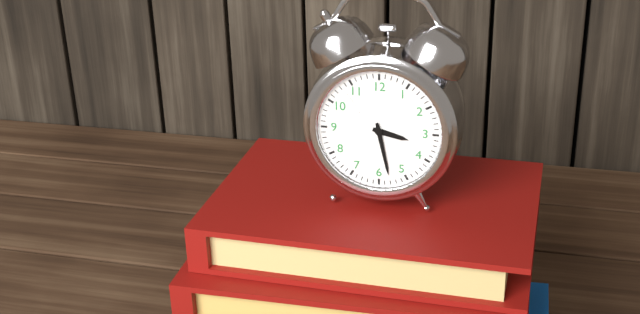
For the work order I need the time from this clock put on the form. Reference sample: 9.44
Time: 3.28
